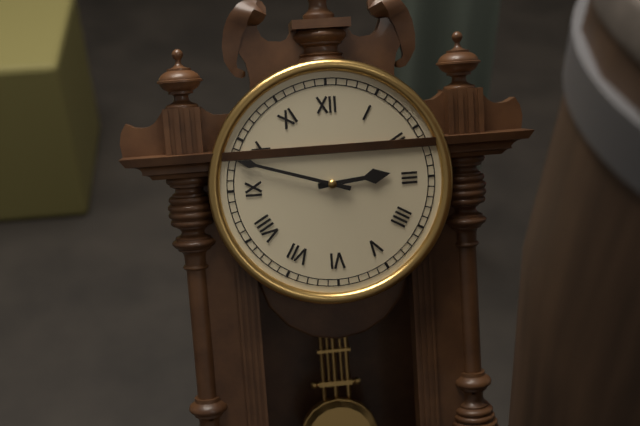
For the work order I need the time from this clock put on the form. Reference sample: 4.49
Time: 2.48
